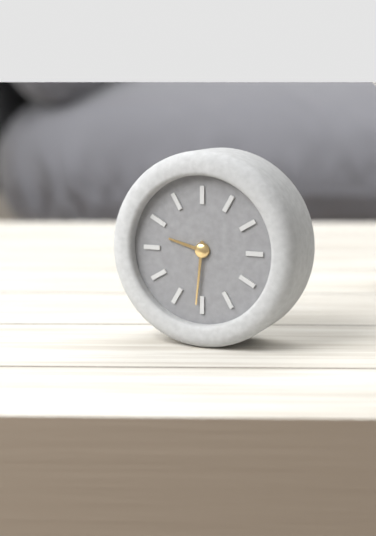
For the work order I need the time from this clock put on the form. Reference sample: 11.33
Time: 9.31
